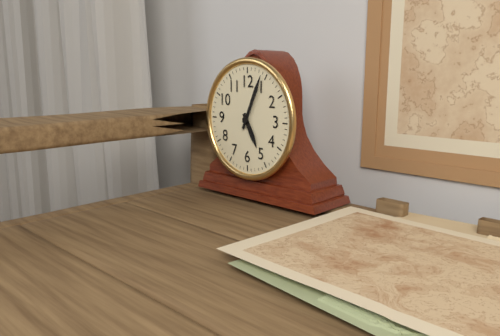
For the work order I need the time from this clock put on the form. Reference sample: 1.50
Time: 5.04
